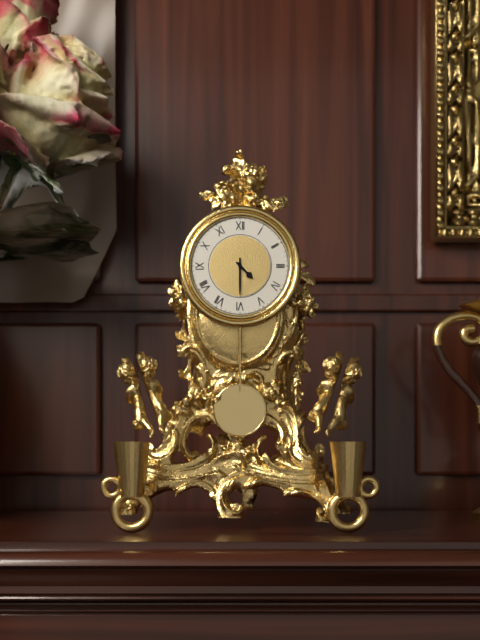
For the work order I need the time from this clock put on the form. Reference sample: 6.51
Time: 4.30
